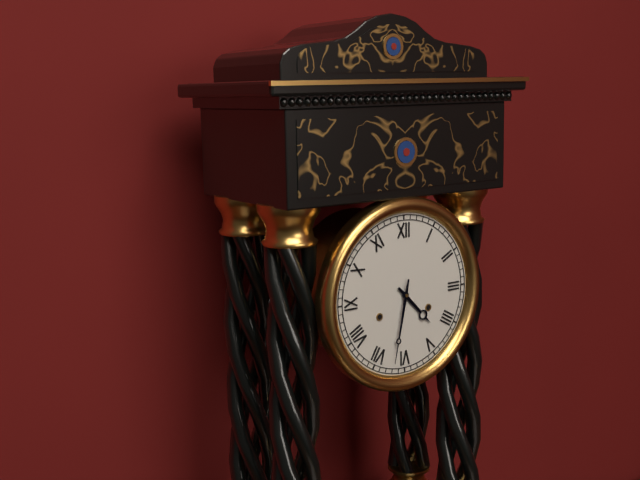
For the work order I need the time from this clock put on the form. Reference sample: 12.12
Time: 4.32
